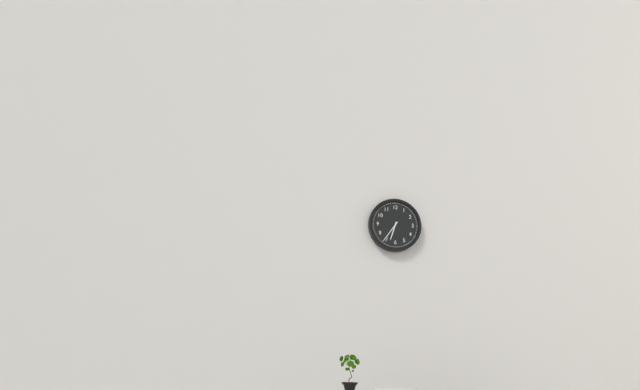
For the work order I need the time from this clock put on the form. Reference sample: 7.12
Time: 6.36
